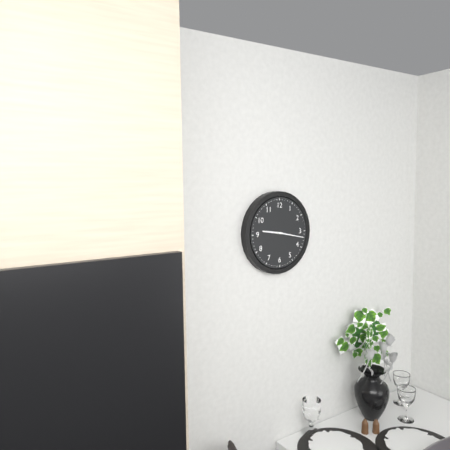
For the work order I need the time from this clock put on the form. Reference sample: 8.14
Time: 9.17
